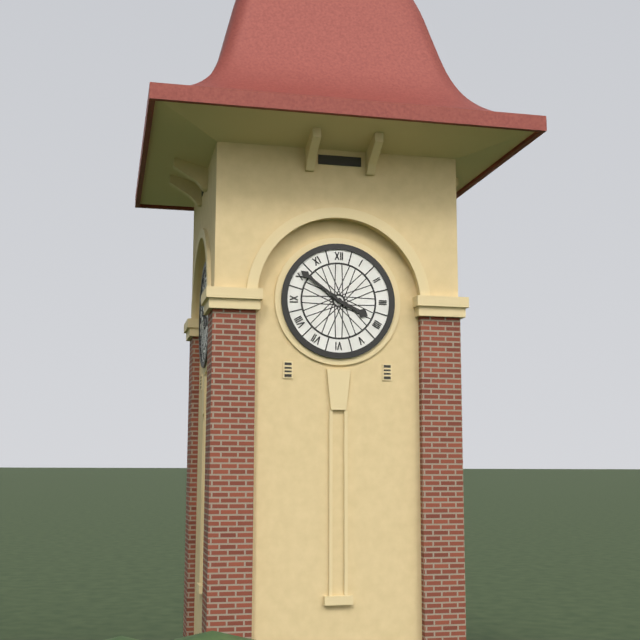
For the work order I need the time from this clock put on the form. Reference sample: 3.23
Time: 3.51
